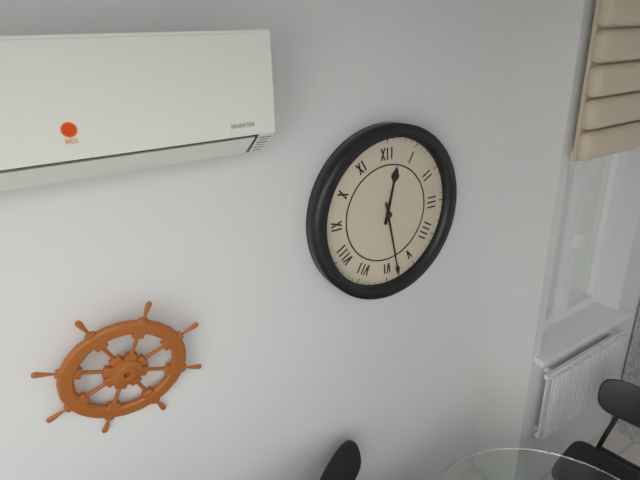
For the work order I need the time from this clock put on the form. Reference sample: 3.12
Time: 12.28
